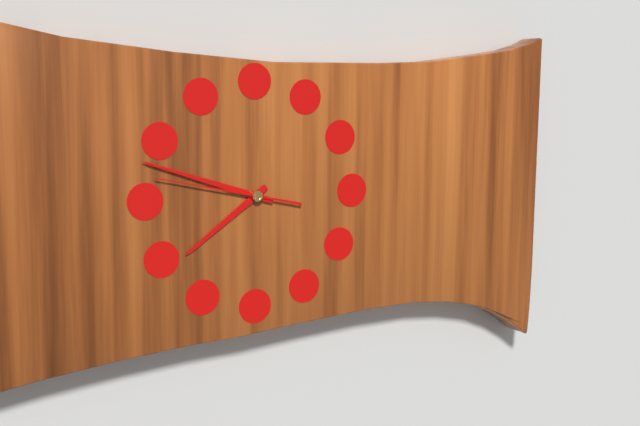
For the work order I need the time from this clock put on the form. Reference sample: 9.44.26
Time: 7.48.47
